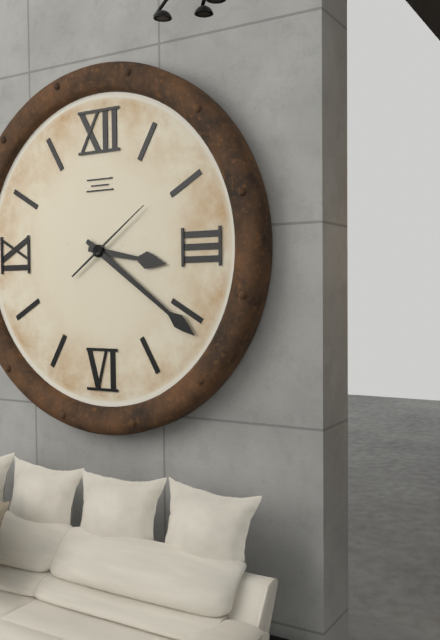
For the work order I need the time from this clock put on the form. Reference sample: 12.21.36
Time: 3.21.09
